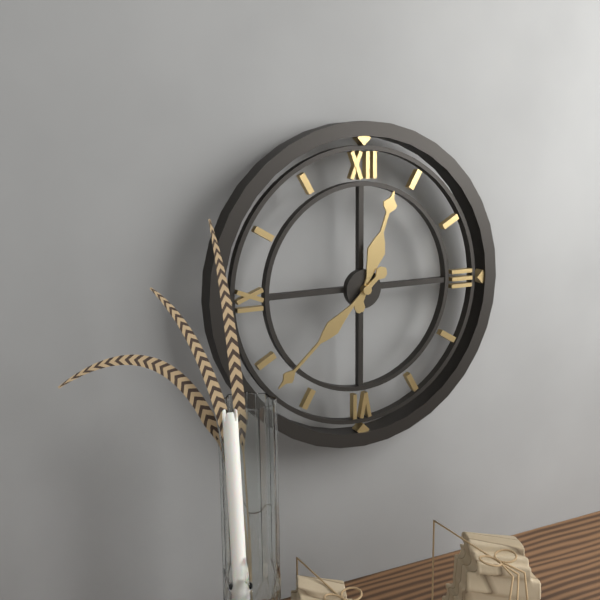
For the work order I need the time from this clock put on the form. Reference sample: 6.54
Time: 12.38
